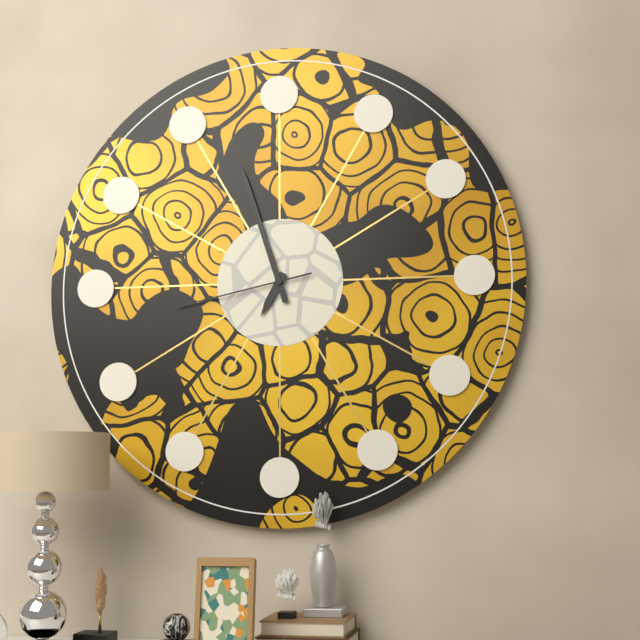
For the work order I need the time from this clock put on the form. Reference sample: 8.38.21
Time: 6.57.43
